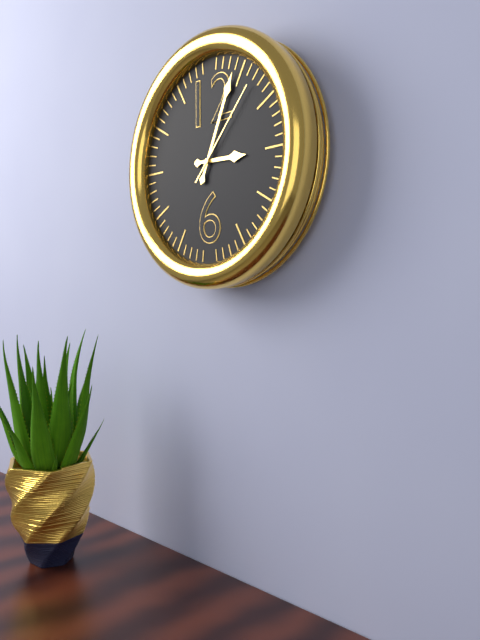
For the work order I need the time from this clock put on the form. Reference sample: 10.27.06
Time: 3.04.07
